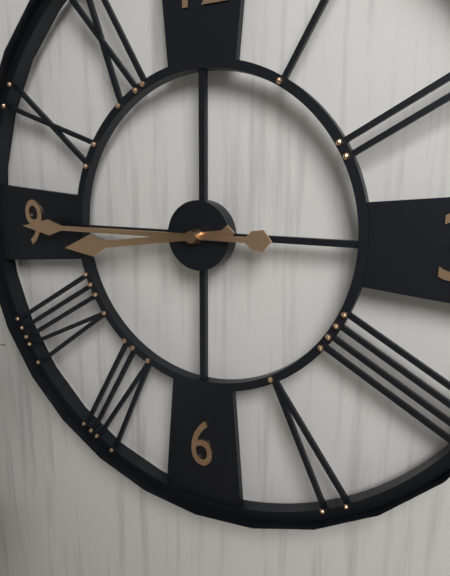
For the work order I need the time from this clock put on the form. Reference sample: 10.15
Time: 8.45
